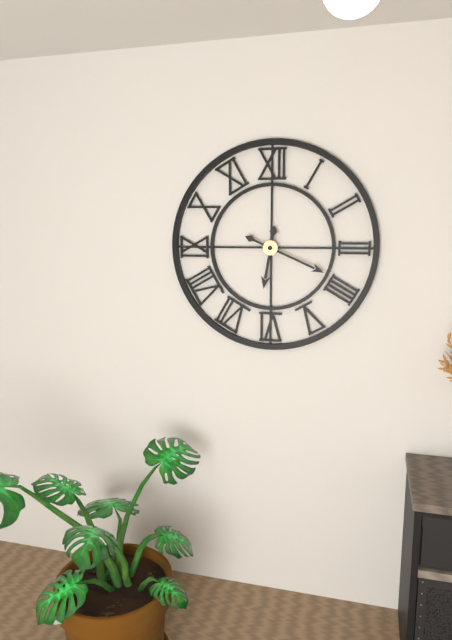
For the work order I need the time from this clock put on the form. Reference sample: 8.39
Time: 6.19
